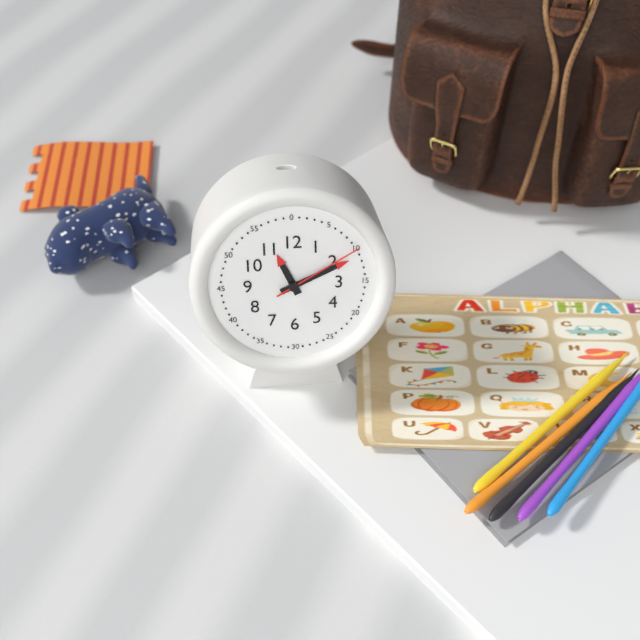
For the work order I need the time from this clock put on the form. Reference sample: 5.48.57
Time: 11.11.10
